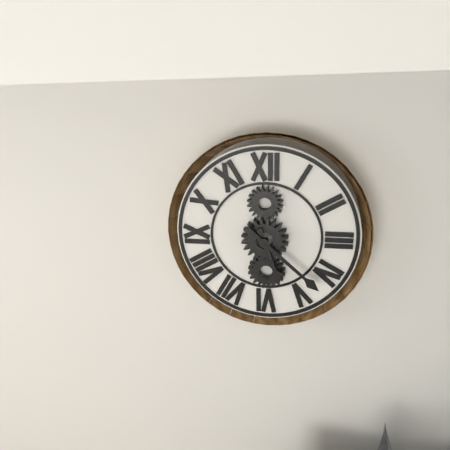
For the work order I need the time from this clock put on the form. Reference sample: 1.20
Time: 5.22
